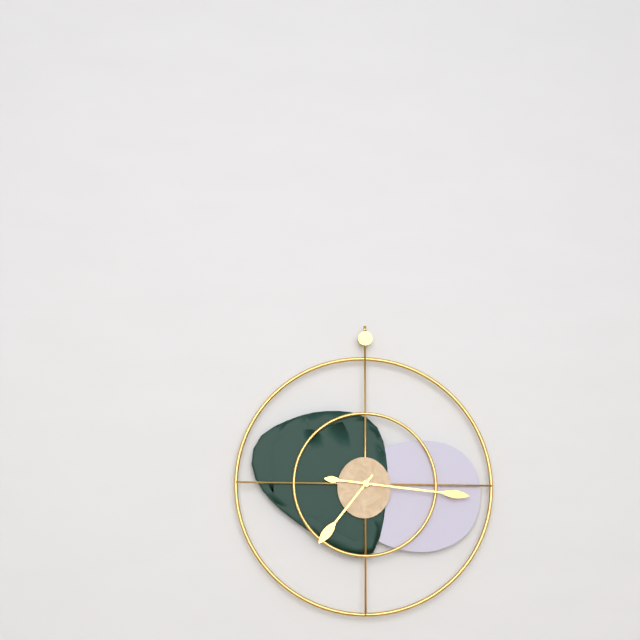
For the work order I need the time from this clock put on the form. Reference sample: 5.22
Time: 7.16
